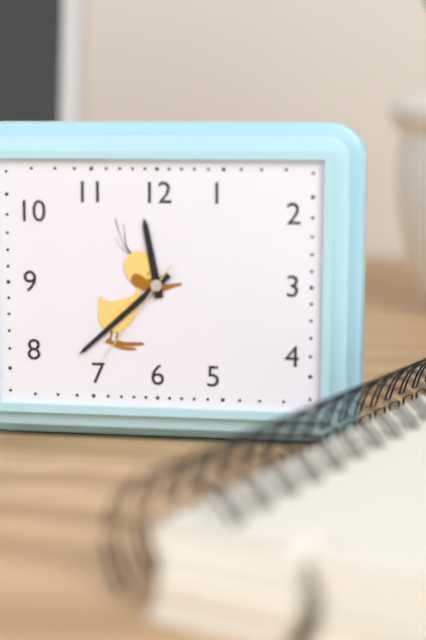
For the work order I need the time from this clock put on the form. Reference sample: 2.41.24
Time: 11.38.36
